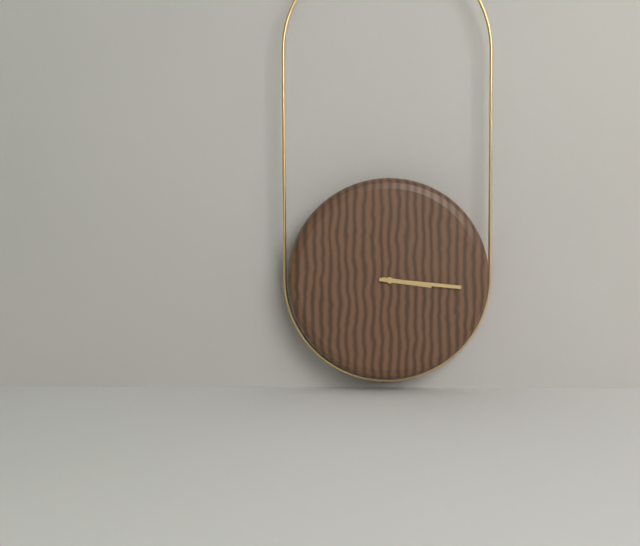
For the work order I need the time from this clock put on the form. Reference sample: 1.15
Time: 3.16
